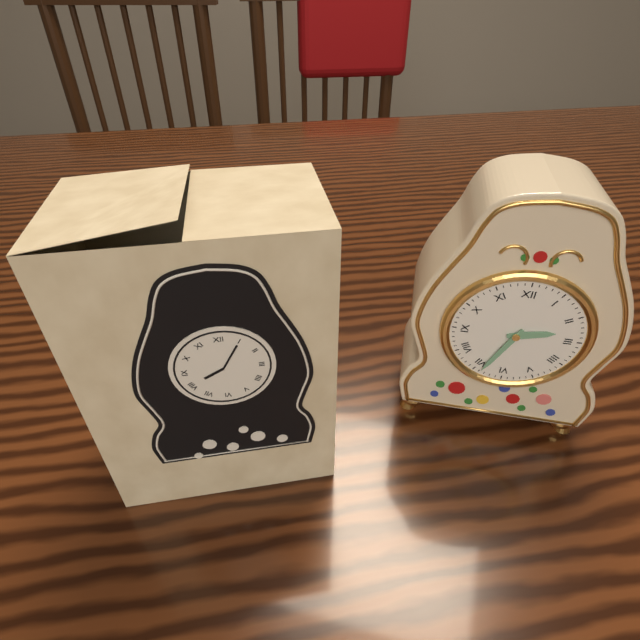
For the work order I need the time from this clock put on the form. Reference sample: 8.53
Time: 2.34
